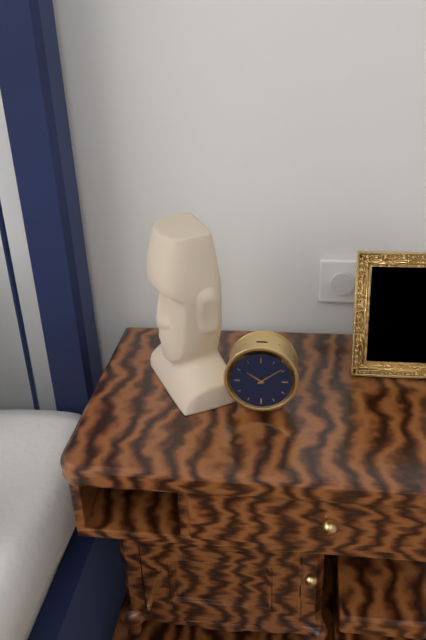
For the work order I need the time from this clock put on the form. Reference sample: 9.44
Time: 10.09
